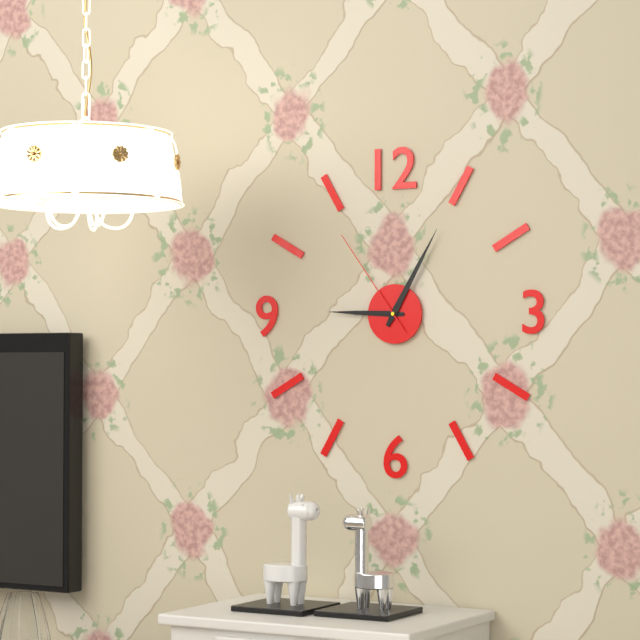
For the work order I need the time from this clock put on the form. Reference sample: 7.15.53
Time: 9.05.54
